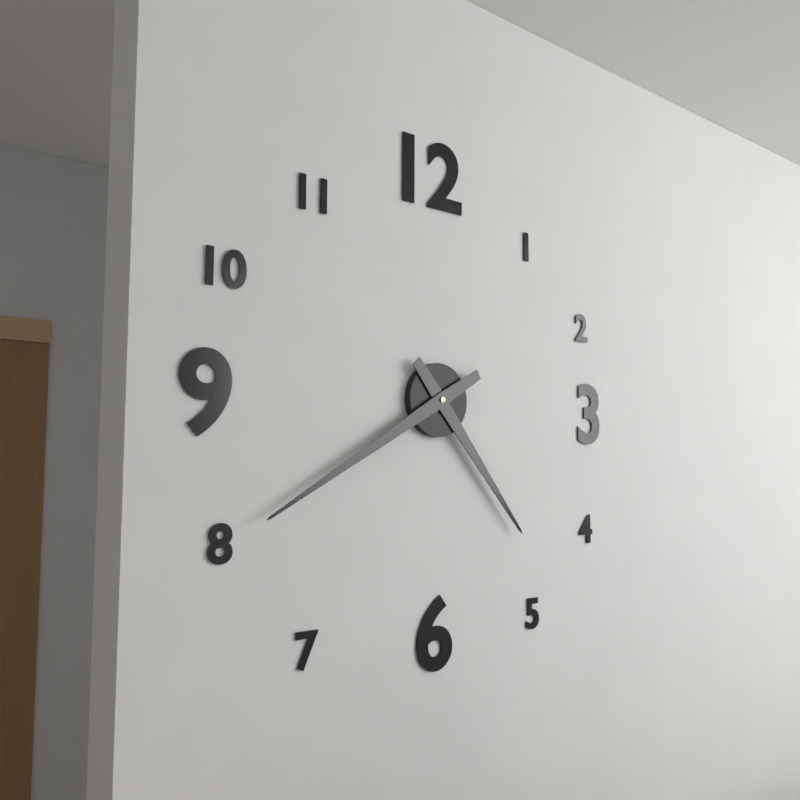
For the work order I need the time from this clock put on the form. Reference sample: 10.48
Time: 4.40
